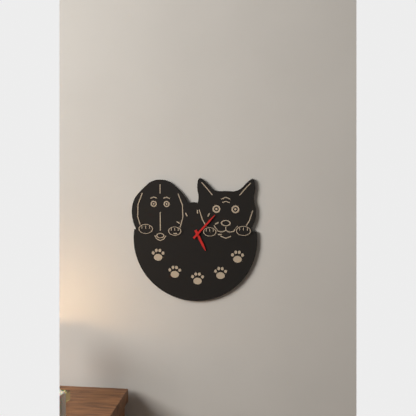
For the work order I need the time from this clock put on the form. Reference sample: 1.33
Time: 5.07
